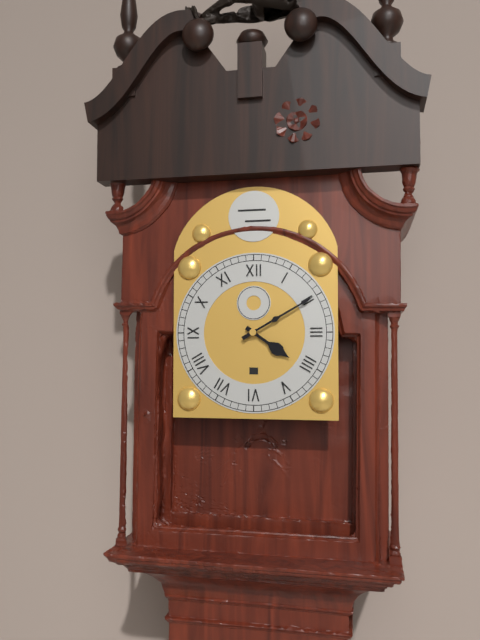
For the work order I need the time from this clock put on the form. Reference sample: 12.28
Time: 4.10
